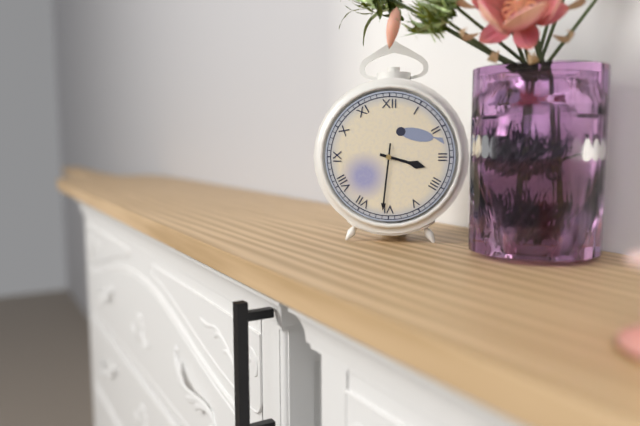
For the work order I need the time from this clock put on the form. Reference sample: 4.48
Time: 3.31
